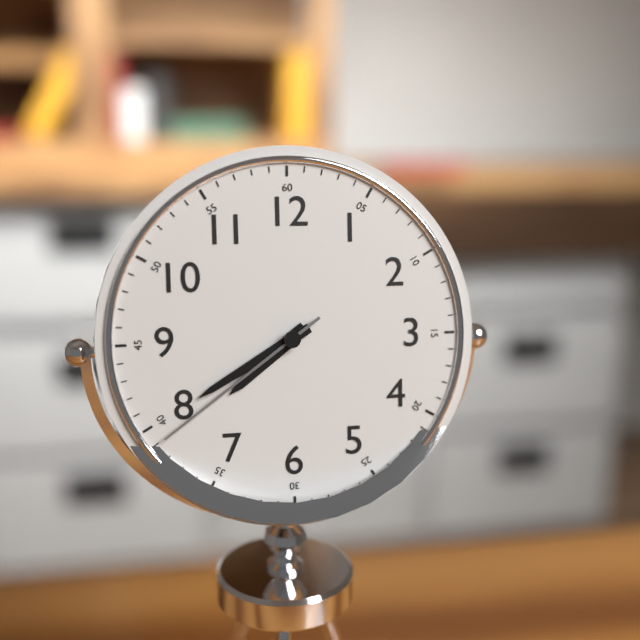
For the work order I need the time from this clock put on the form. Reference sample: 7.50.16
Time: 7.40.39
